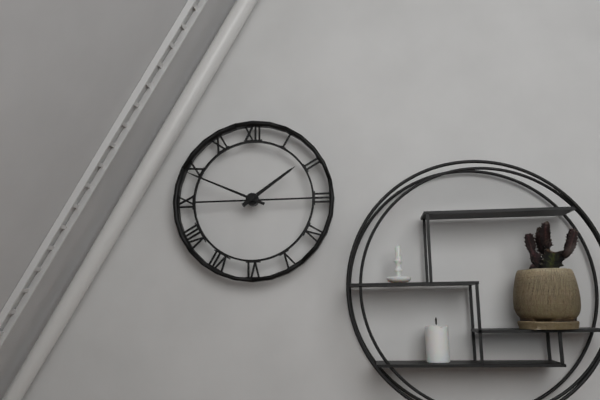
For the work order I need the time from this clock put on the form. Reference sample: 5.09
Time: 1.49
